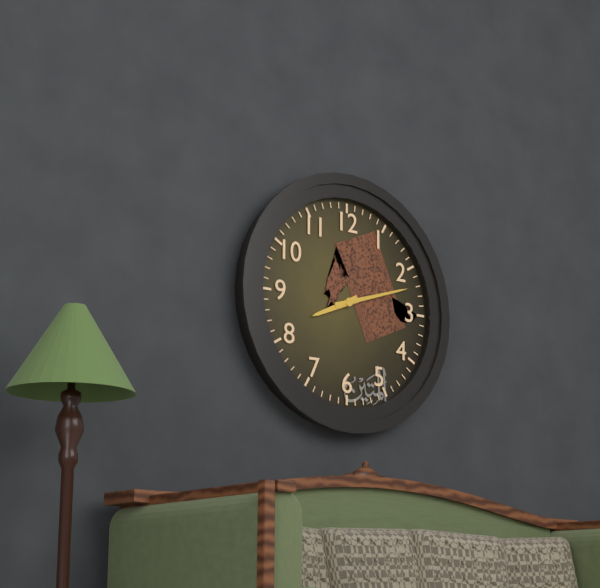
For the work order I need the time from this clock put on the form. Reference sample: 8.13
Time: 8.12
